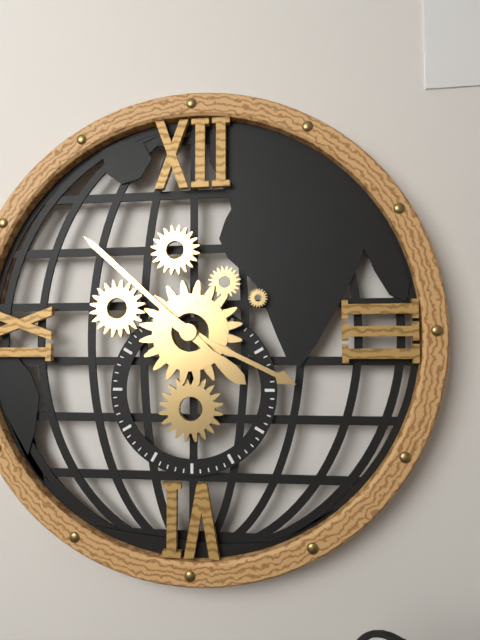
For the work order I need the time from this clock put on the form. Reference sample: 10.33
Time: 3.52
